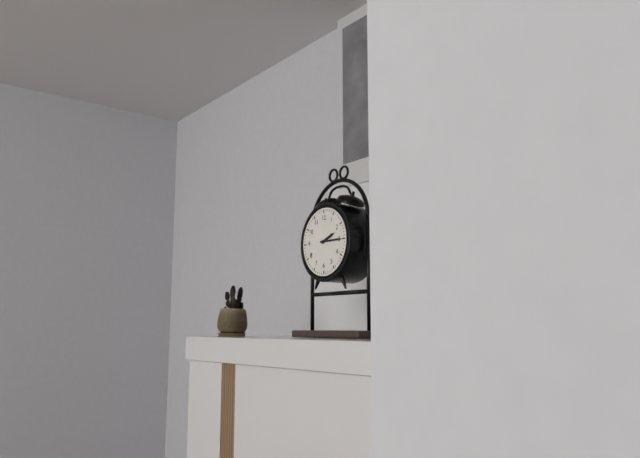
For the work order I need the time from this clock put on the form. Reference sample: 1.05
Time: 2.15
